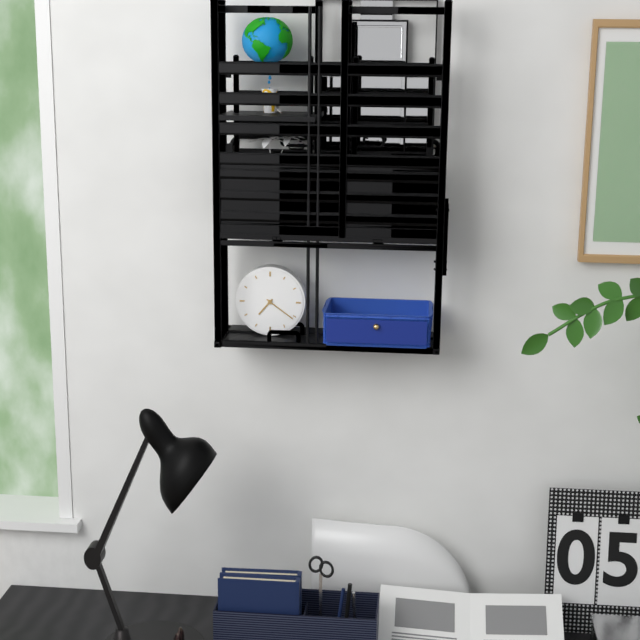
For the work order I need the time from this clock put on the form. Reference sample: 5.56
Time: 7.21
